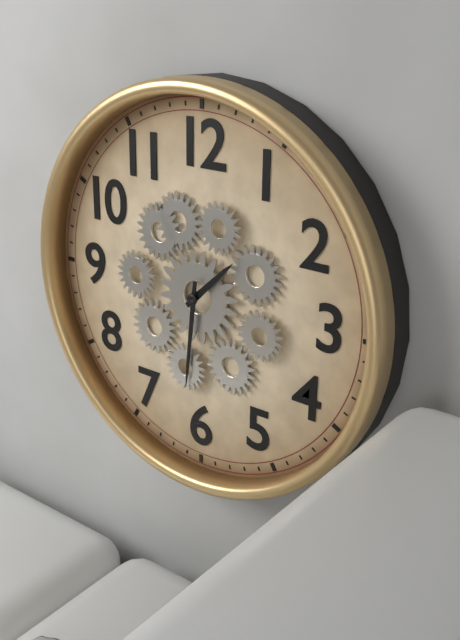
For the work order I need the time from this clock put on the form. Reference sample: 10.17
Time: 1.31
